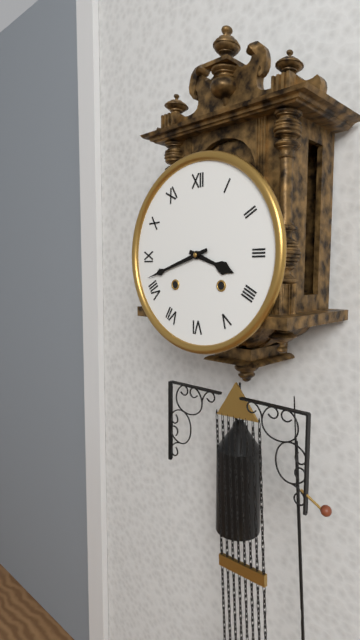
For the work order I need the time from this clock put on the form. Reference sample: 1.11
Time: 3.42
